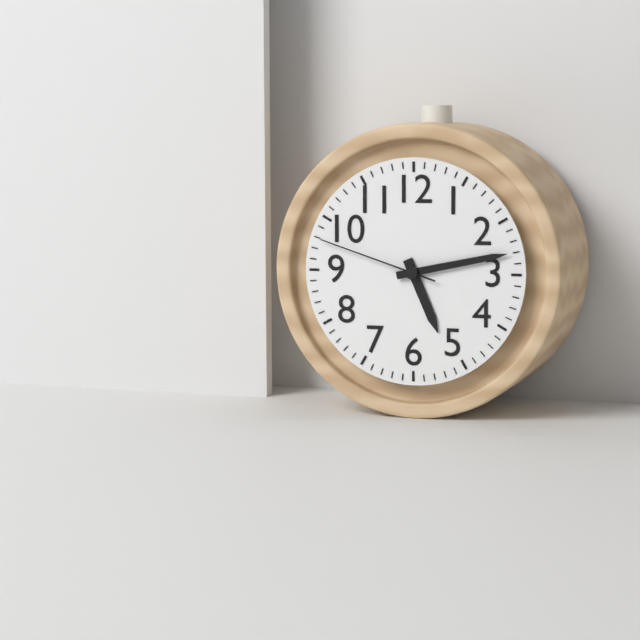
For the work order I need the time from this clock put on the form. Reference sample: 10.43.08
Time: 5.13.48
